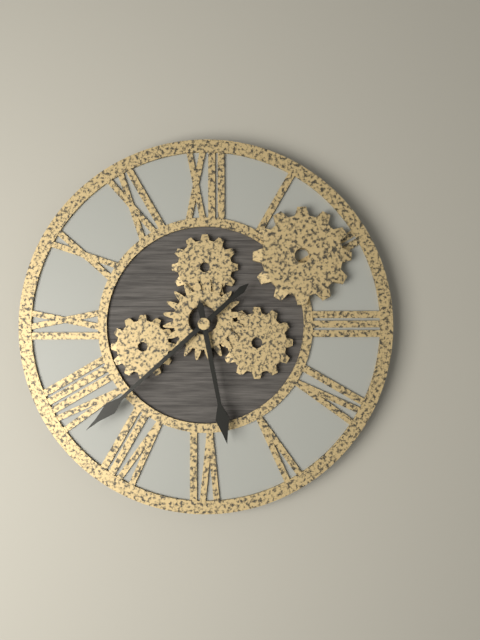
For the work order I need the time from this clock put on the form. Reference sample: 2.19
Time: 5.38
